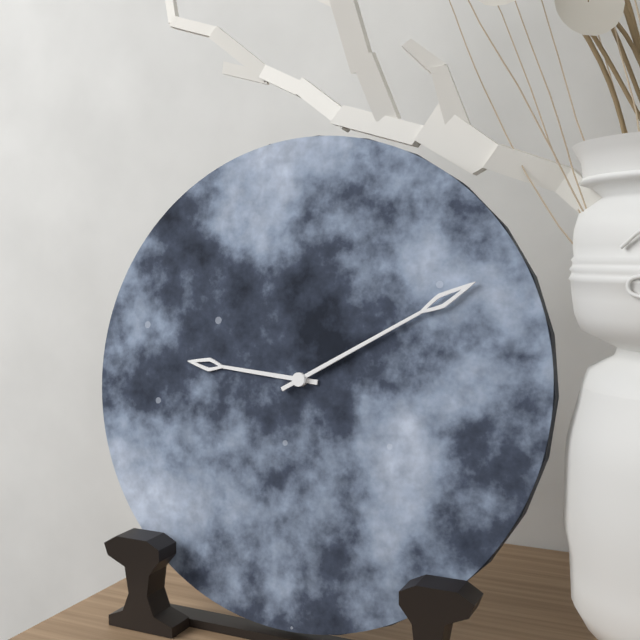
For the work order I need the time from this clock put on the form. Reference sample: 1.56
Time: 9.10
